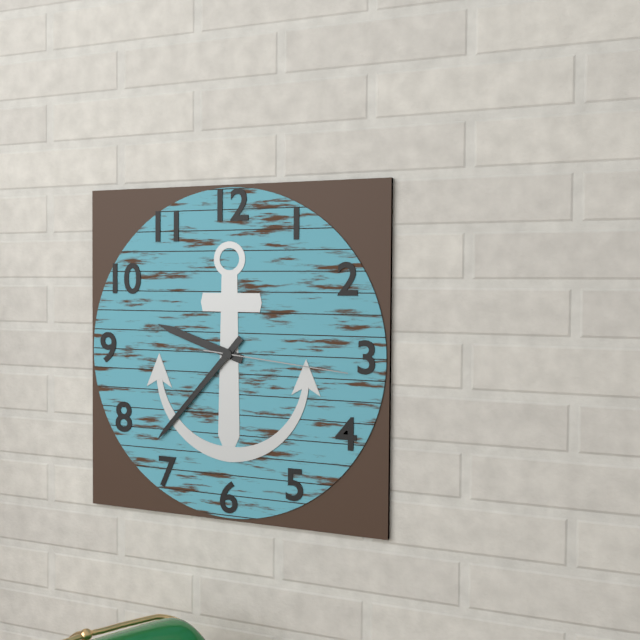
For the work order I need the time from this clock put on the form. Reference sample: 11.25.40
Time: 9.37.16
